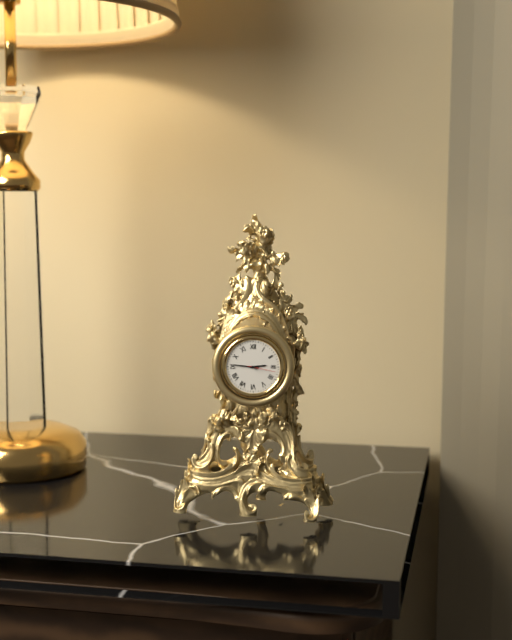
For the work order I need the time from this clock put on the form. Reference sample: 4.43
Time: 2.46
